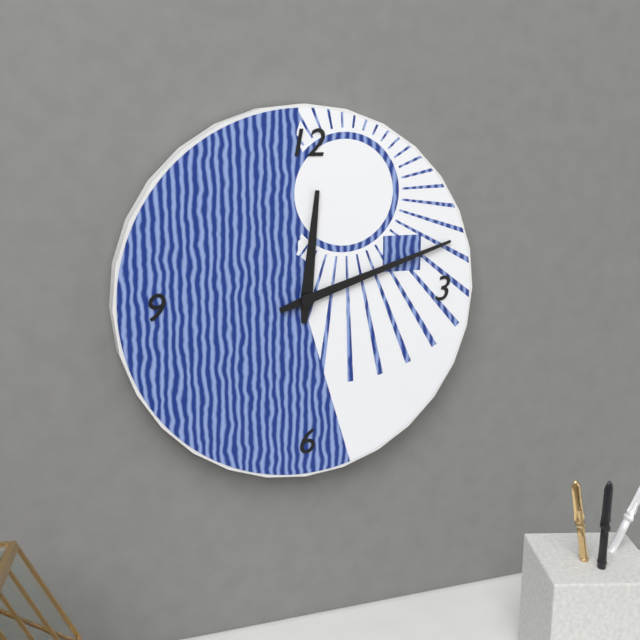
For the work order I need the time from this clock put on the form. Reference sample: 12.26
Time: 12.12
